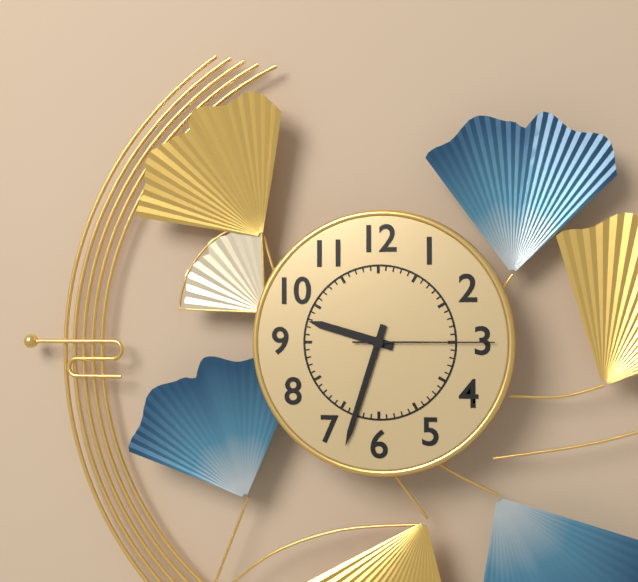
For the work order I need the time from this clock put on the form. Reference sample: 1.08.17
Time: 9.33.15
